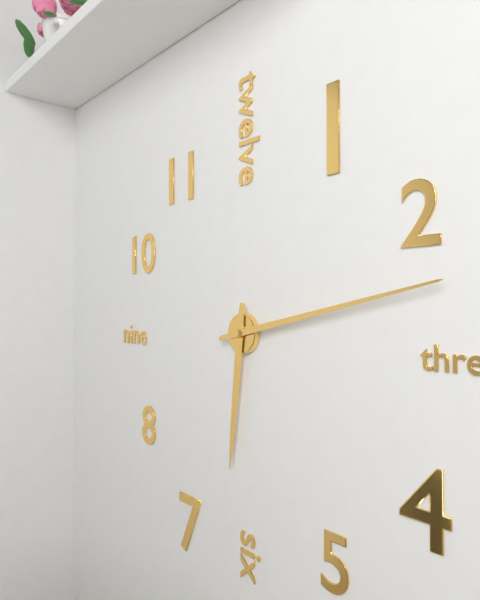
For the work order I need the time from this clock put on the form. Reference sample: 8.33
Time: 6.13
